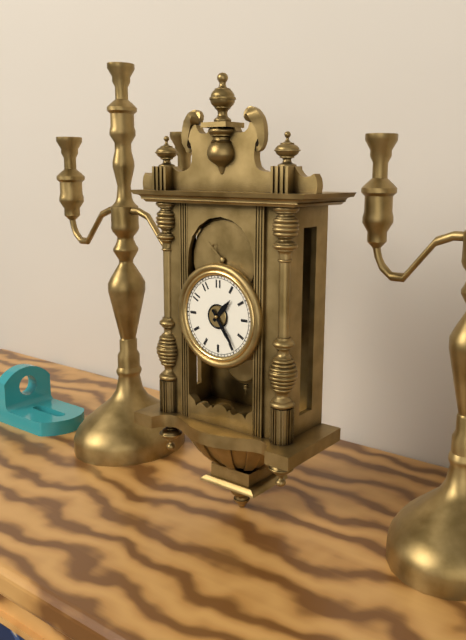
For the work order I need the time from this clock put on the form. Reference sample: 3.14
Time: 1.24
